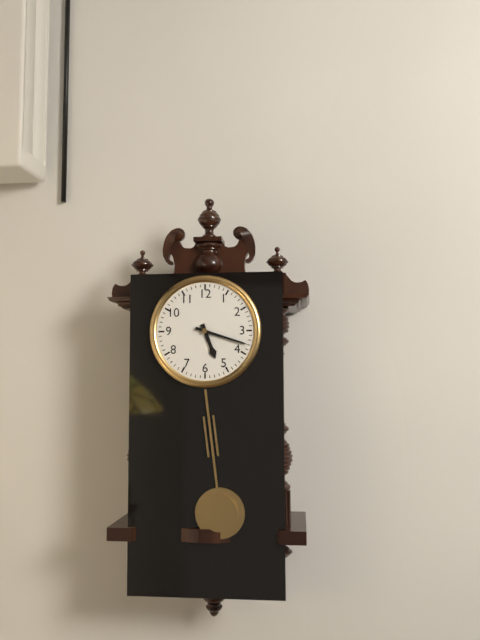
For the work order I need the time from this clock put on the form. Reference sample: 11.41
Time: 5.18
